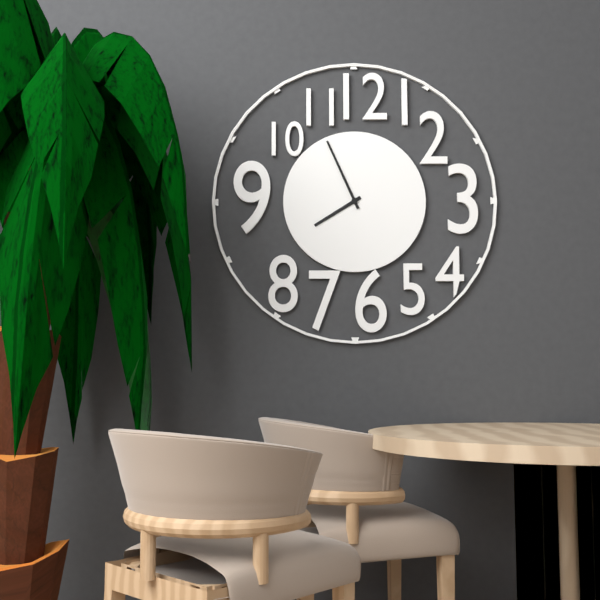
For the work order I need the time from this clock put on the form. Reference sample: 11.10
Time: 7.56
